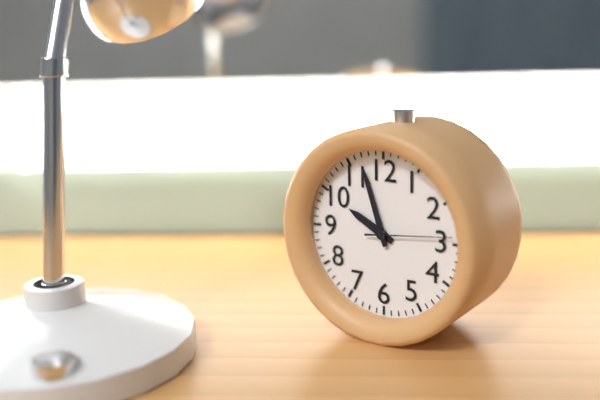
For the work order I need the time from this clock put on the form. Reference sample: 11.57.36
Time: 9.57.14
